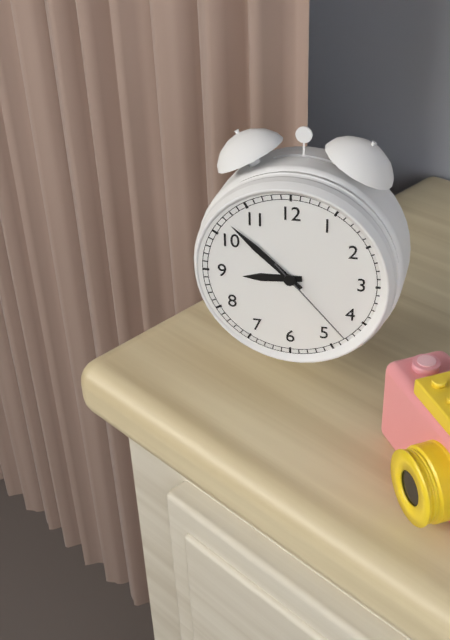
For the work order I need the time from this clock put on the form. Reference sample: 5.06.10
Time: 8.52.23
